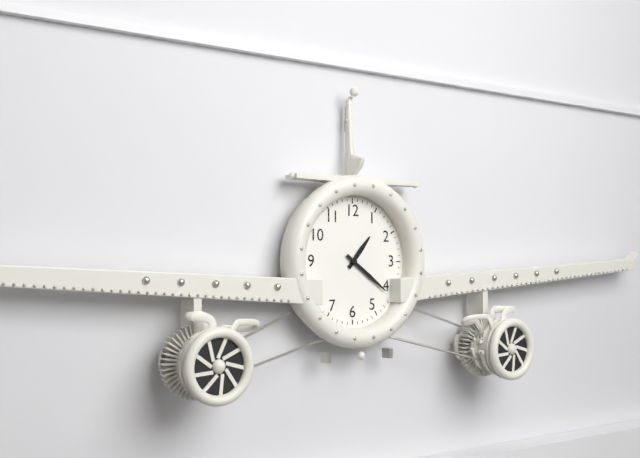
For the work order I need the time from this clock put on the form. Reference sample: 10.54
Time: 1.21
